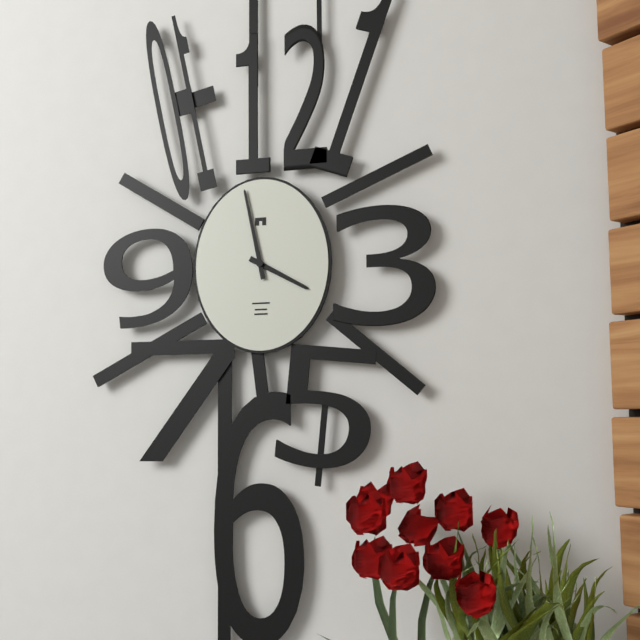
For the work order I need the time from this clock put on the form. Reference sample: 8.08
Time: 3.58
